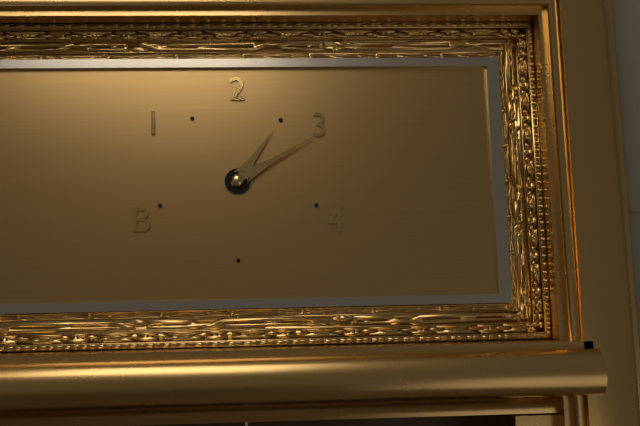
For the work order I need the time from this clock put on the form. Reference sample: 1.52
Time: 1.10
